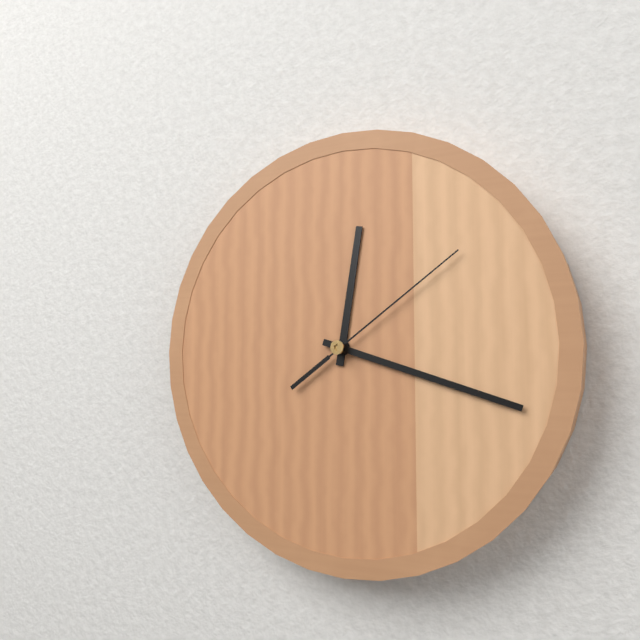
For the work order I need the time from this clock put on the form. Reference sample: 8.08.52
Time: 12.18.09
